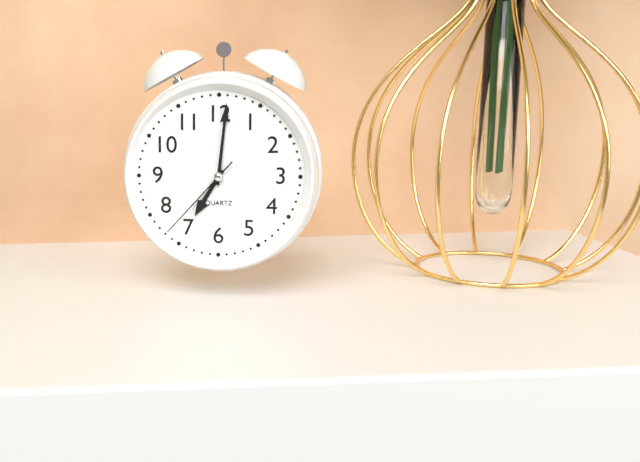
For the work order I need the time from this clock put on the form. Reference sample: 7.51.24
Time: 7.01.37
